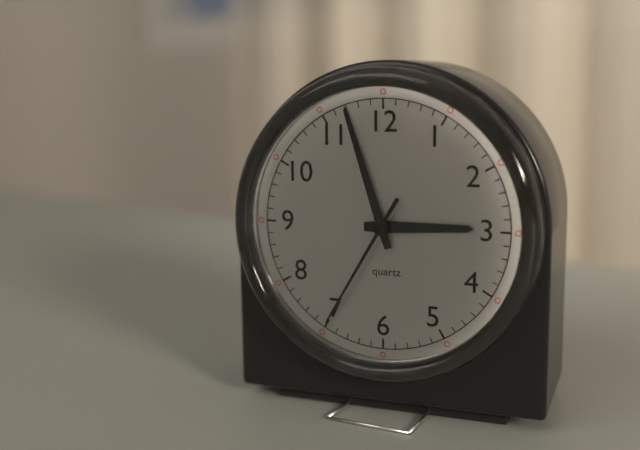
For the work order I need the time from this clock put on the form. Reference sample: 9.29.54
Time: 2.57.35
